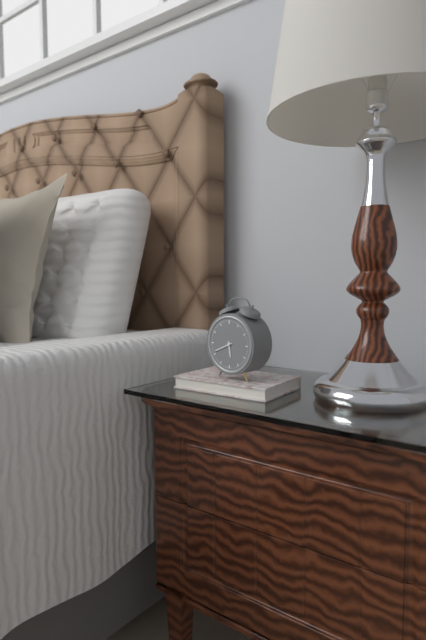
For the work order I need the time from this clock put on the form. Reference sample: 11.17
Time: 5.41
